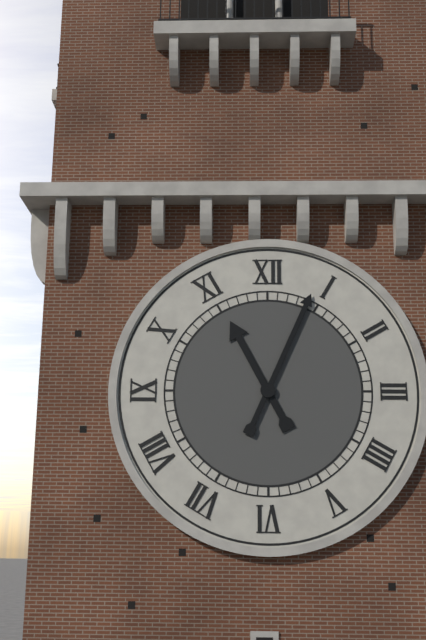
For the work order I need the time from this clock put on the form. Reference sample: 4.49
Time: 11.04
